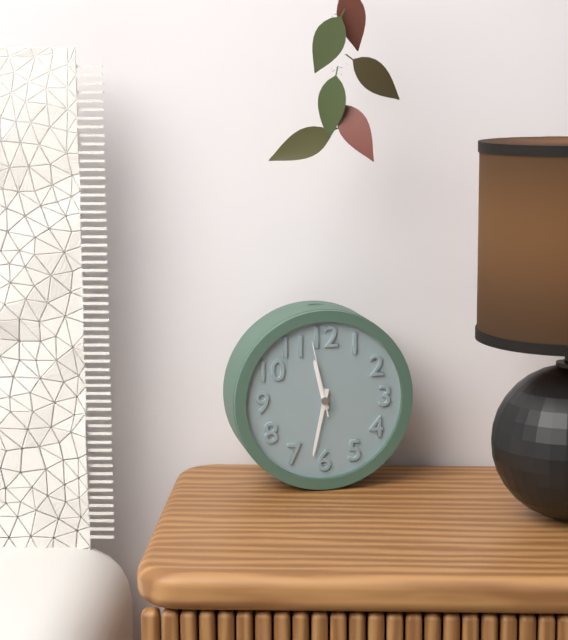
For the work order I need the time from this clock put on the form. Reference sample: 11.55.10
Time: 11.32.58
